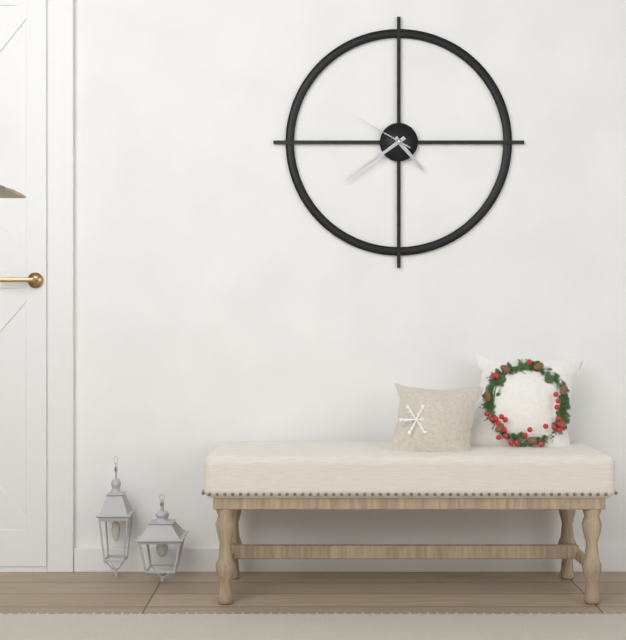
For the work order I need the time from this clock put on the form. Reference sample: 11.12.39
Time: 4.39.50
